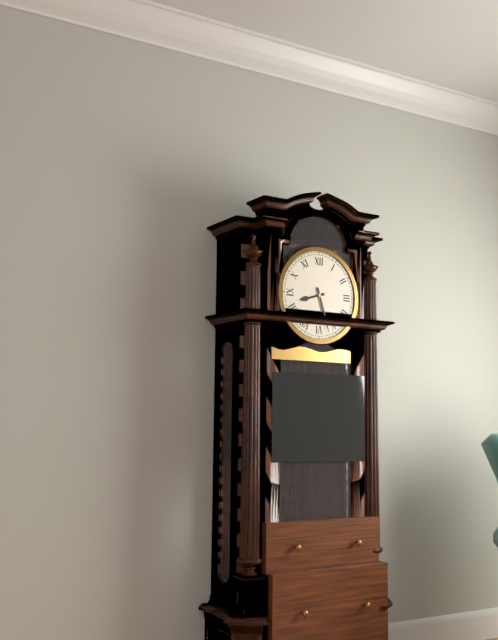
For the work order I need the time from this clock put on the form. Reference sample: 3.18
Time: 8.27
